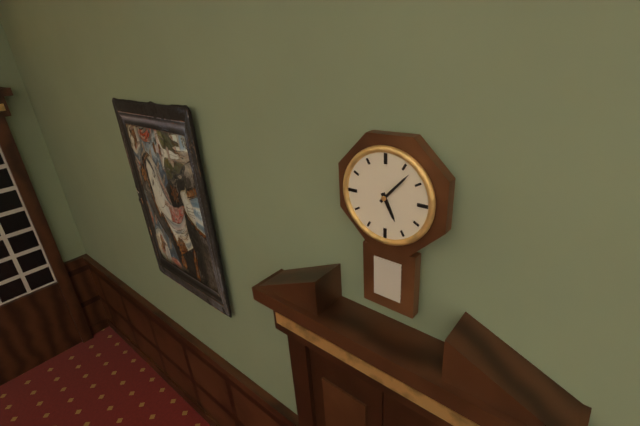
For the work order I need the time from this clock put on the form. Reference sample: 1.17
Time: 5.07
